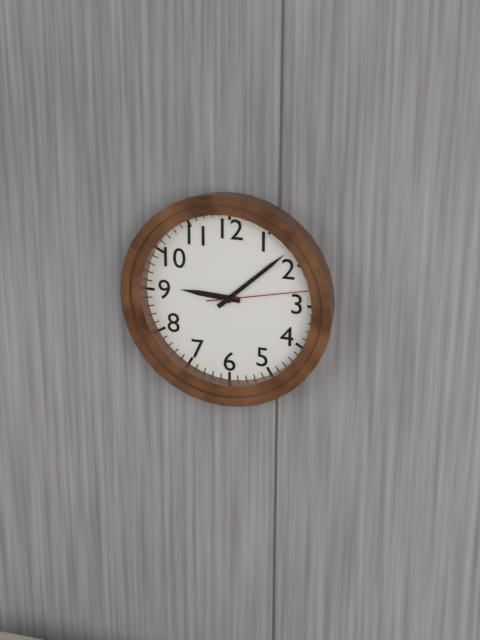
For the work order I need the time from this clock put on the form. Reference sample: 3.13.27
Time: 9.08.13
